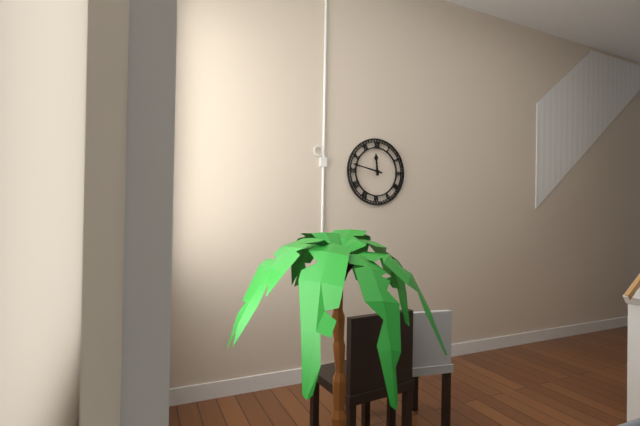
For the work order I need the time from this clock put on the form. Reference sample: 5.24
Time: 11.47
